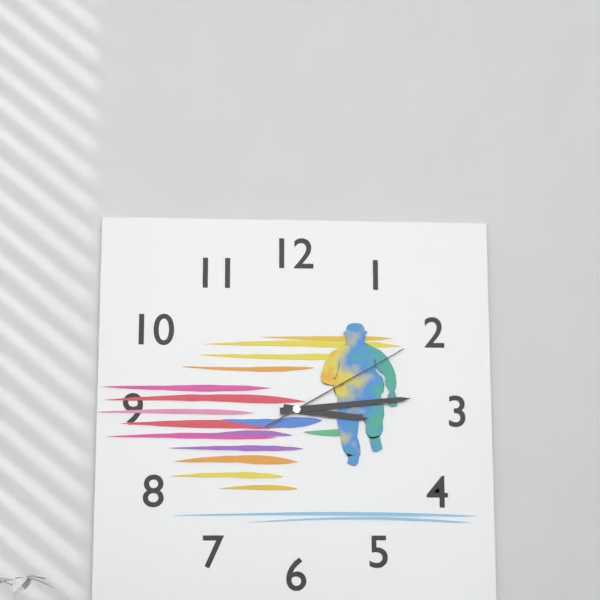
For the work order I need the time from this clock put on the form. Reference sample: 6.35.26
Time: 3.14.10
